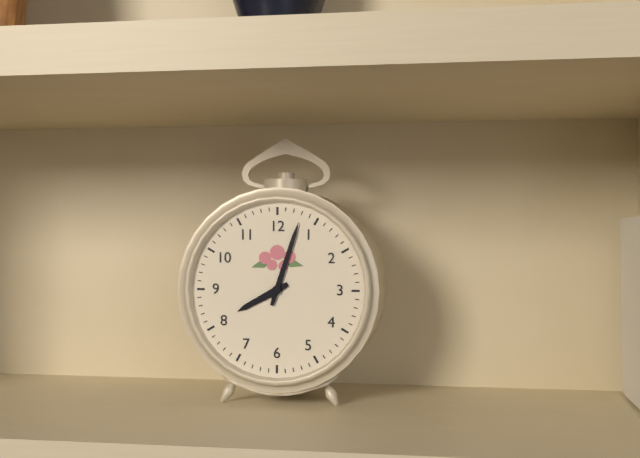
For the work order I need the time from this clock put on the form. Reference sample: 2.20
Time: 8.03
